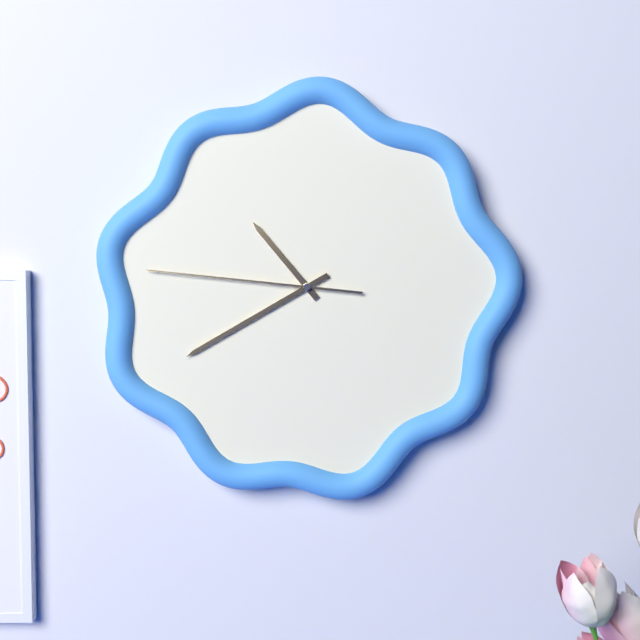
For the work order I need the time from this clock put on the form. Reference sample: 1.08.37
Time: 10.40.46
